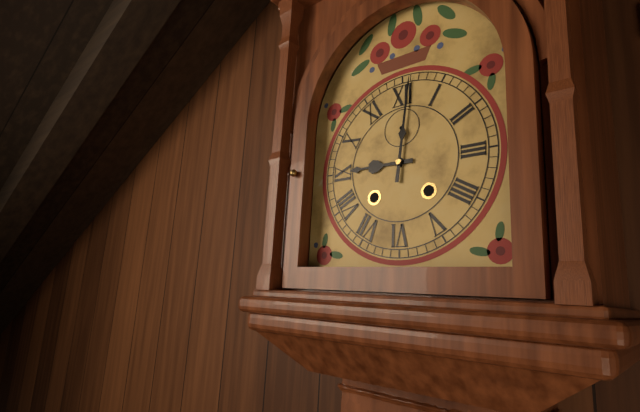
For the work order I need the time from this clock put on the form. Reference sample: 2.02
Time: 9.01
